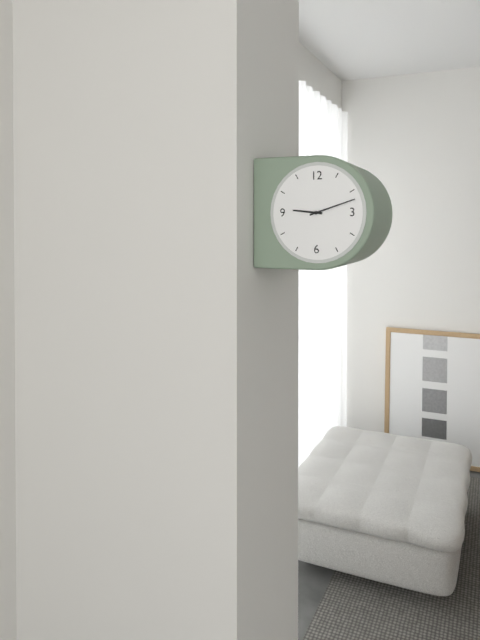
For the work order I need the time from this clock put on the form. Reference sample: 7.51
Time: 9.12
